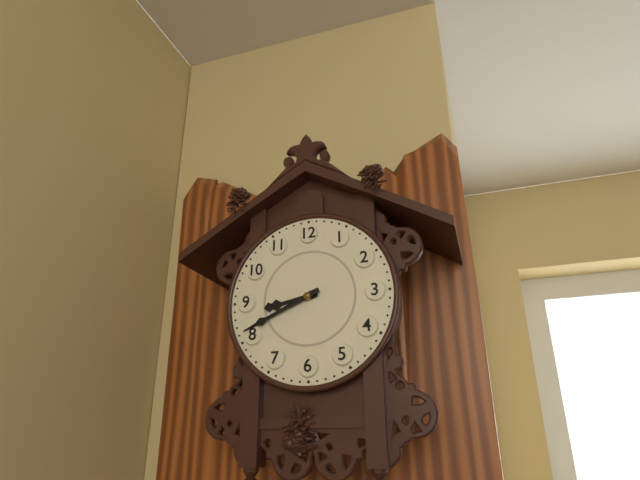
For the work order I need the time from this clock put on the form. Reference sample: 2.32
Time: 8.41
